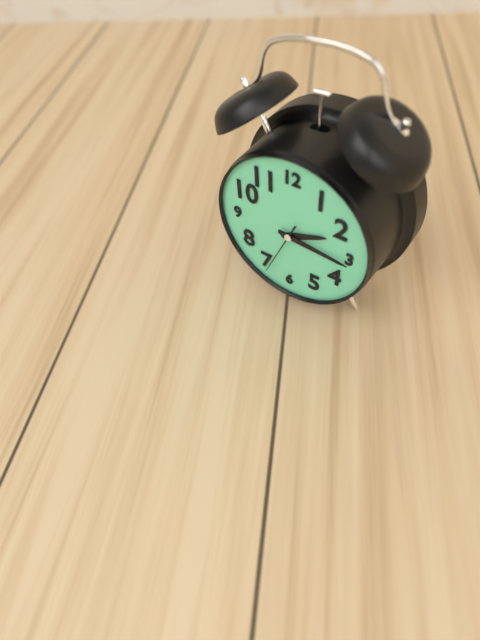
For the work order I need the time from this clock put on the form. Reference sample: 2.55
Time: 2.16
